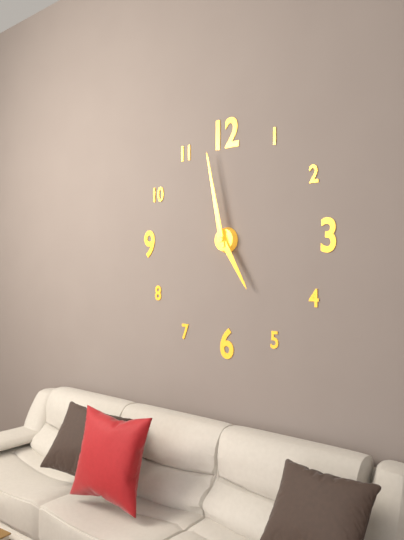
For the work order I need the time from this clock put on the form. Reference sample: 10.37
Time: 4.58
